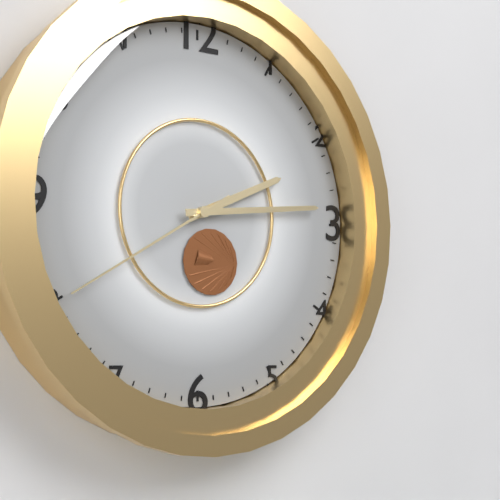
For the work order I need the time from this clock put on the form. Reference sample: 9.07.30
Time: 2.14.40
